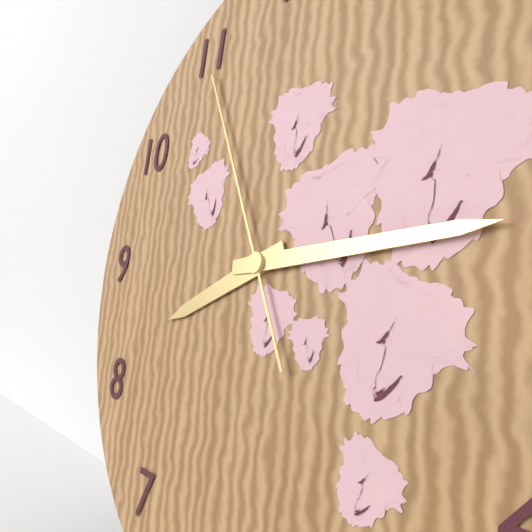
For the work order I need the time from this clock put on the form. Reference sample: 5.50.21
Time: 8.14.55
